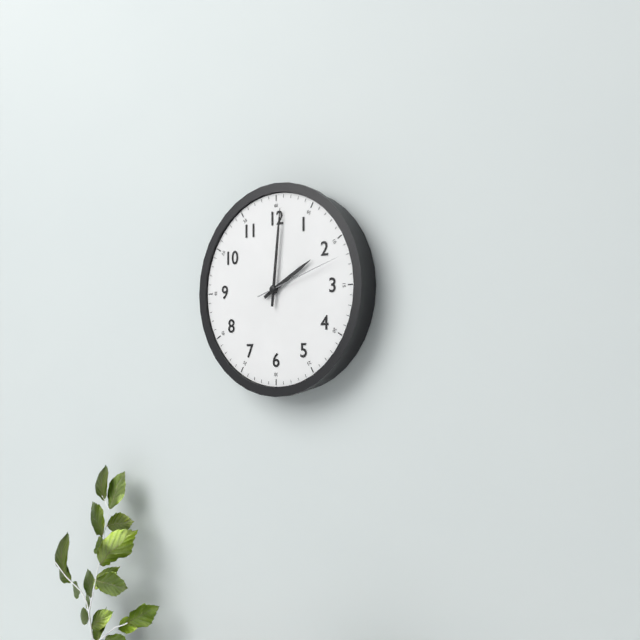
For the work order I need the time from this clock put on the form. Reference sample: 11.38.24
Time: 2.01.12
